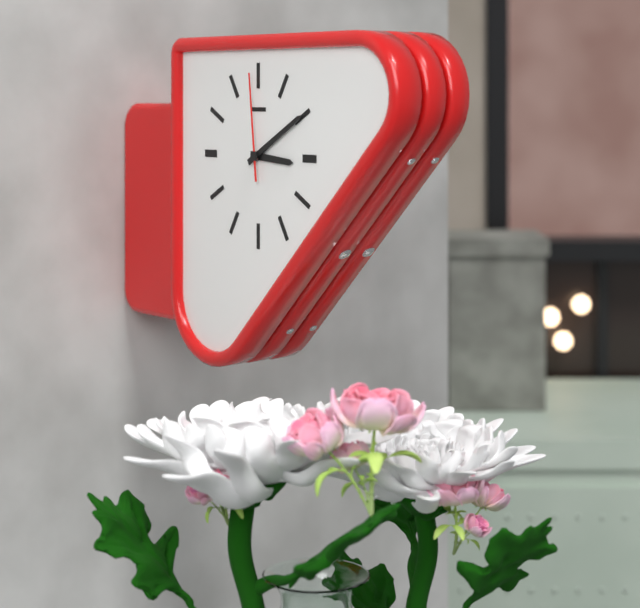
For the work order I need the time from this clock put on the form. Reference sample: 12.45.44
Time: 3.10.59
